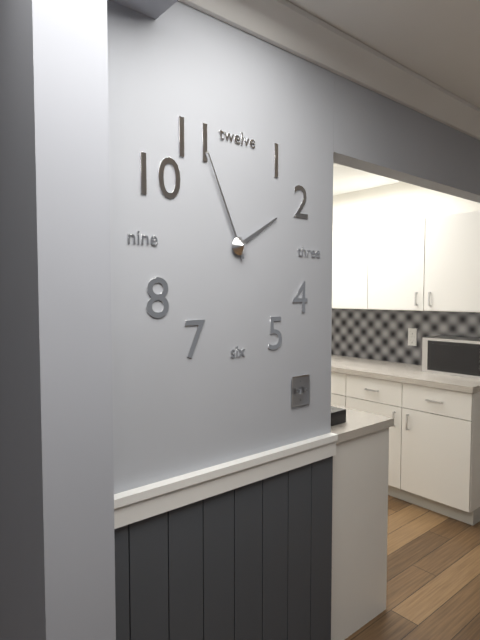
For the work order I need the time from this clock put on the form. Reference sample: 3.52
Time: 1.56
